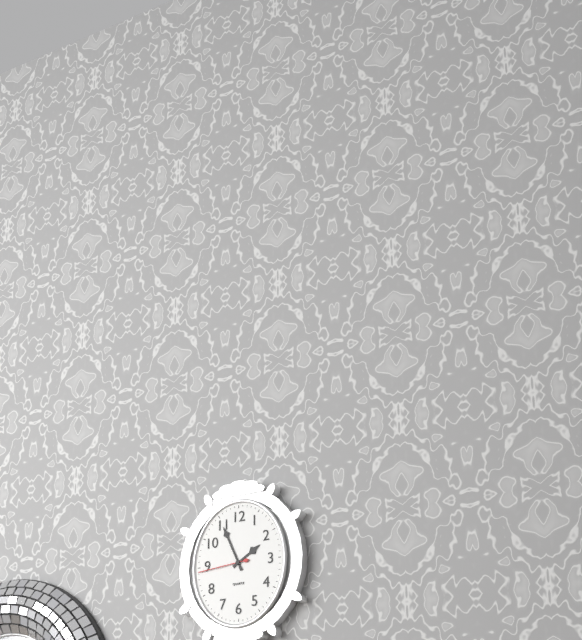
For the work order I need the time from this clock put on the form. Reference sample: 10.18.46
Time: 1.56.44
